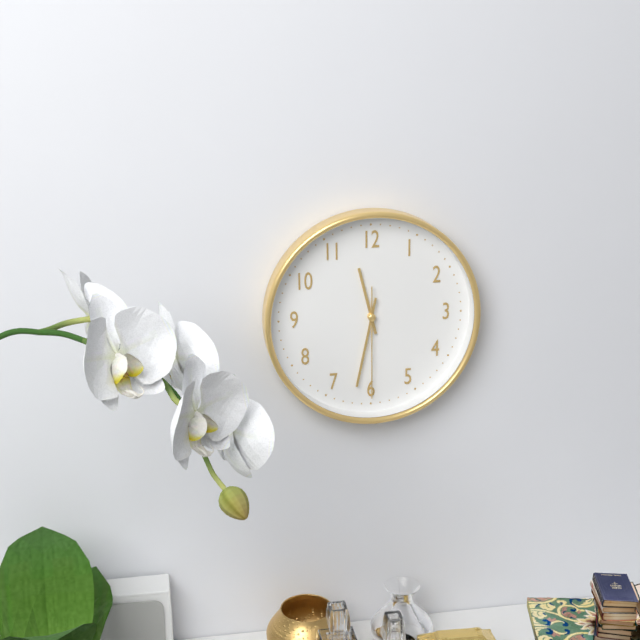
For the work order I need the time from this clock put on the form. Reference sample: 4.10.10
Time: 11.32.30
